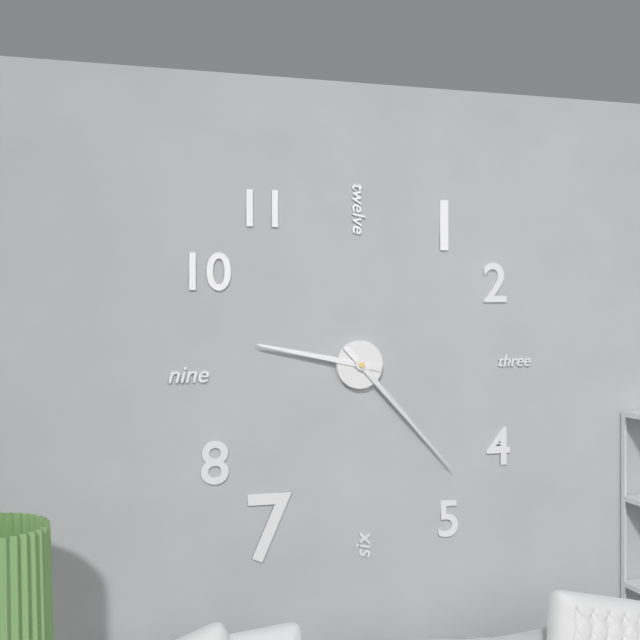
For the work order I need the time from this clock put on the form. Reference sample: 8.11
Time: 9.23
